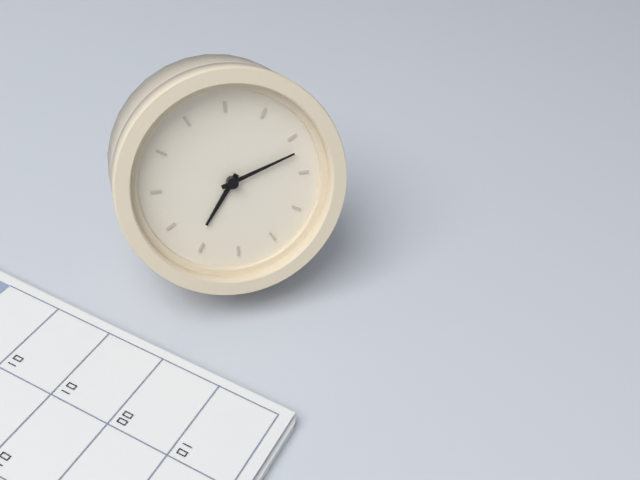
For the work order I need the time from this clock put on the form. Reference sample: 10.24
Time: 7.12
